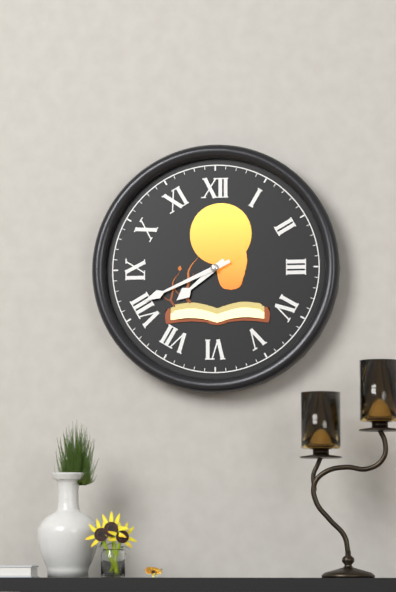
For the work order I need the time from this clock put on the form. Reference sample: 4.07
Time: 7.41
